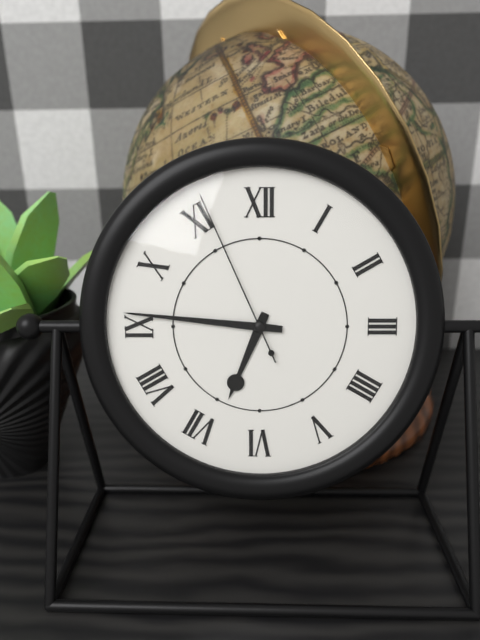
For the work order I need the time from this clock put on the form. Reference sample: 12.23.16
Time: 6.46.56
